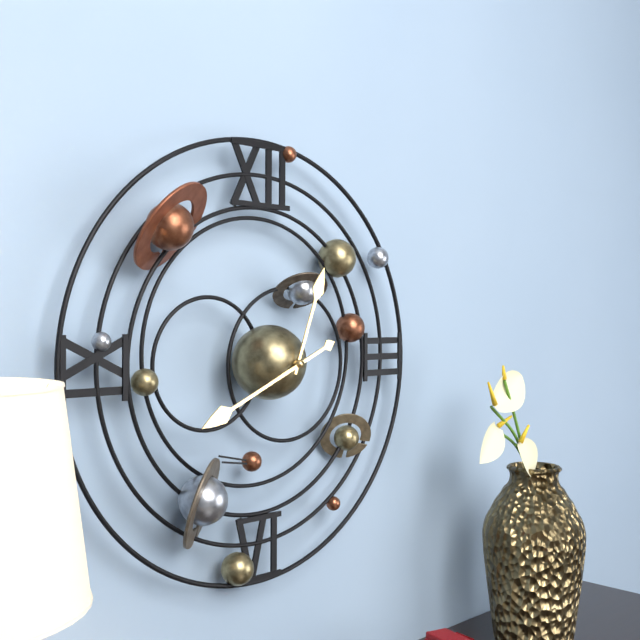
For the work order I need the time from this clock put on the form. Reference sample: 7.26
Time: 12.41
